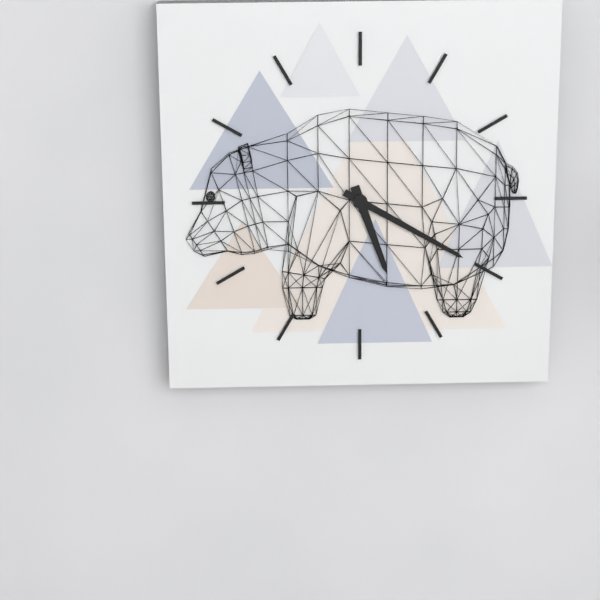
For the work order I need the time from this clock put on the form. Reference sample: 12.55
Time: 5.20
